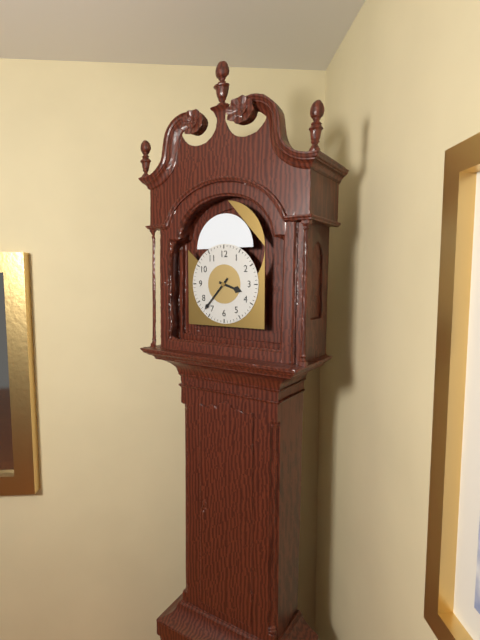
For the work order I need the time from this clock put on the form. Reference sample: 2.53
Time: 3.37
